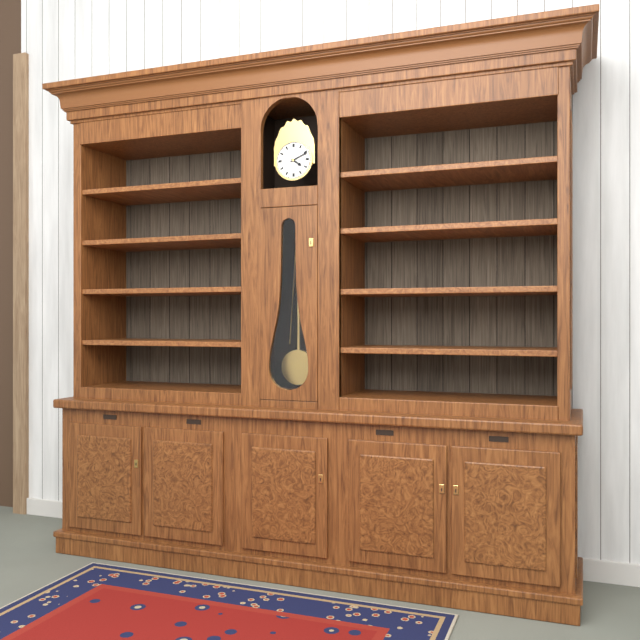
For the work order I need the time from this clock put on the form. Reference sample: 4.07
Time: 4.11
